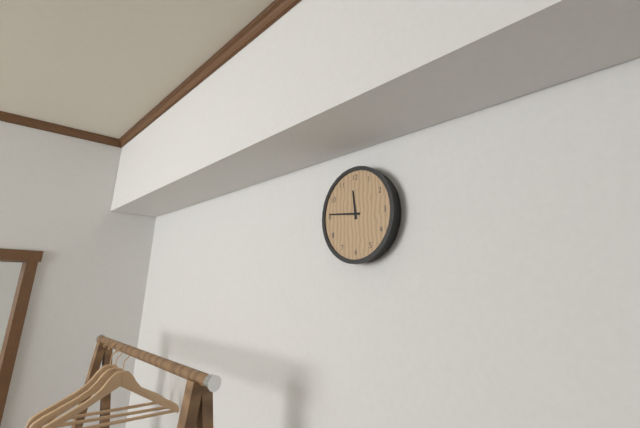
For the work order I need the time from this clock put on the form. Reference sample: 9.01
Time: 11.46
